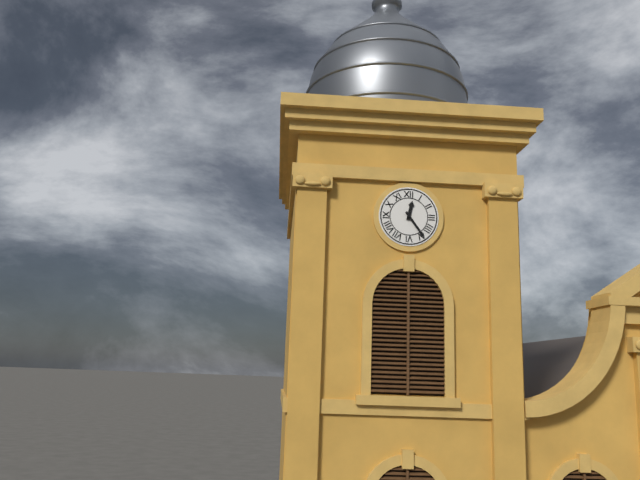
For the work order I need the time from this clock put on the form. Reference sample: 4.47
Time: 12.24
